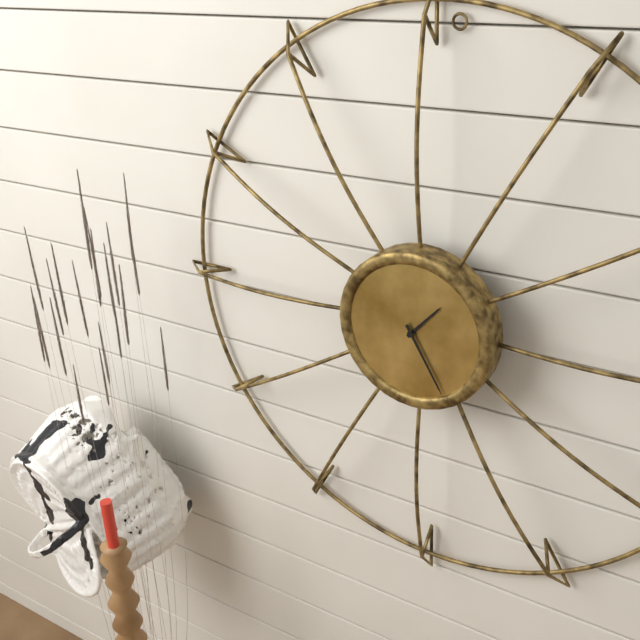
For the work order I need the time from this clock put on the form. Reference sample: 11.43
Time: 1.25
